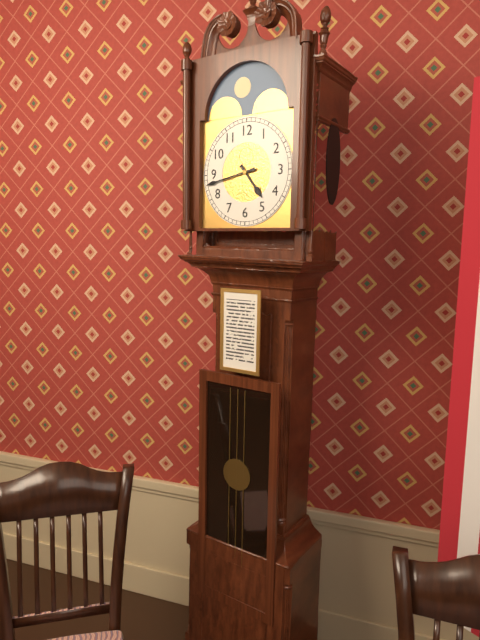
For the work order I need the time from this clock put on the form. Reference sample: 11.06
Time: 4.43
